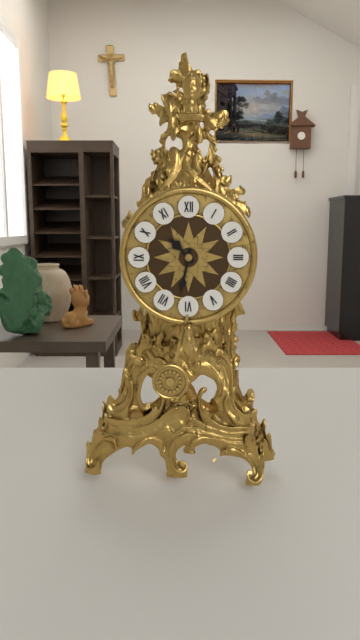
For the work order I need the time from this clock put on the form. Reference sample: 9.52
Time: 10.32
